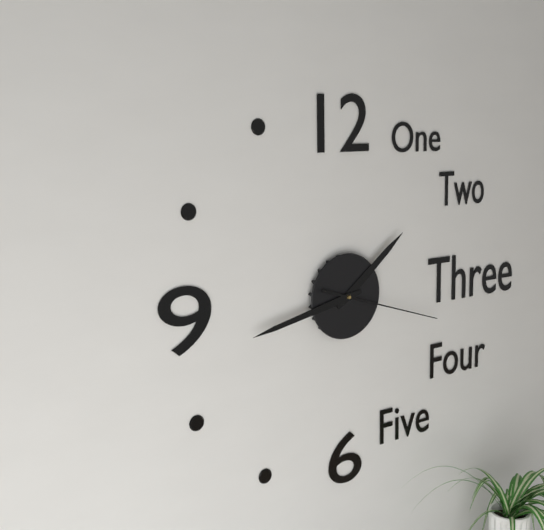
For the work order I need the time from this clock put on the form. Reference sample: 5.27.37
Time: 1.43.18
